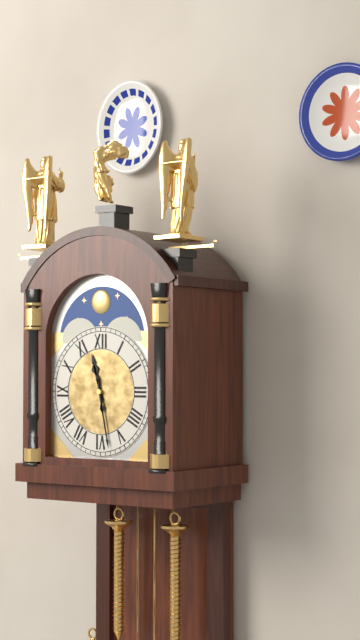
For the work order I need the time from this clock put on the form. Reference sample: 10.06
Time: 11.28
